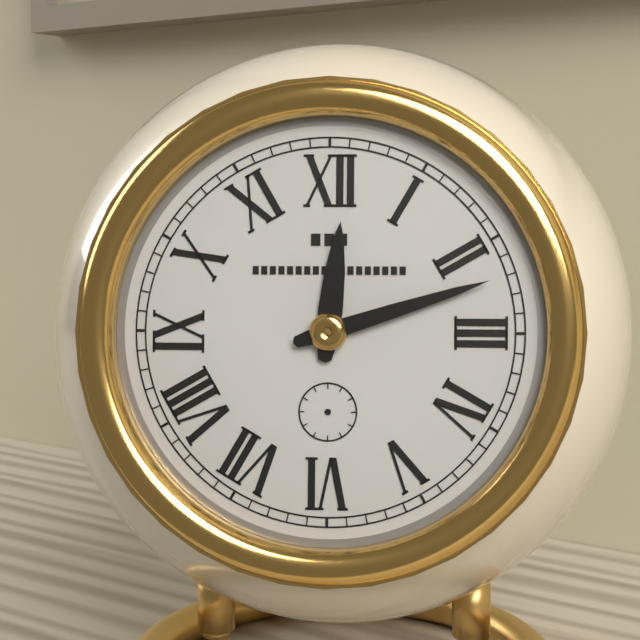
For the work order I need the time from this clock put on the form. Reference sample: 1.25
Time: 12.12
